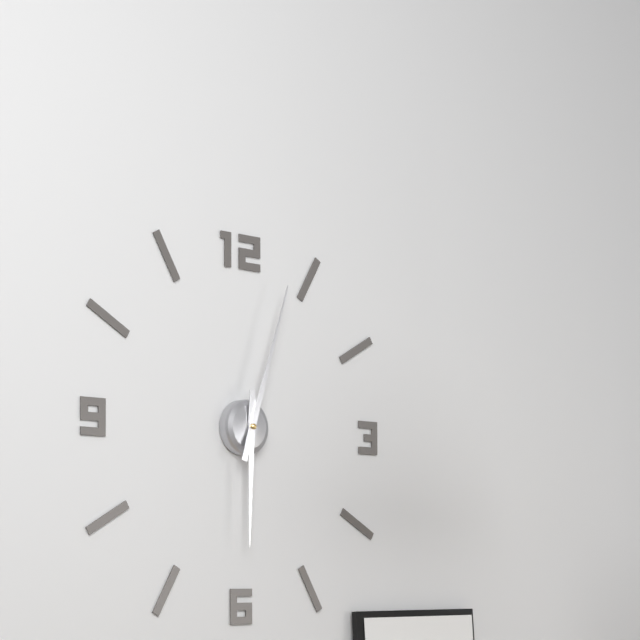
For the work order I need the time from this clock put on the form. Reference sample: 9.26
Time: 6.03
